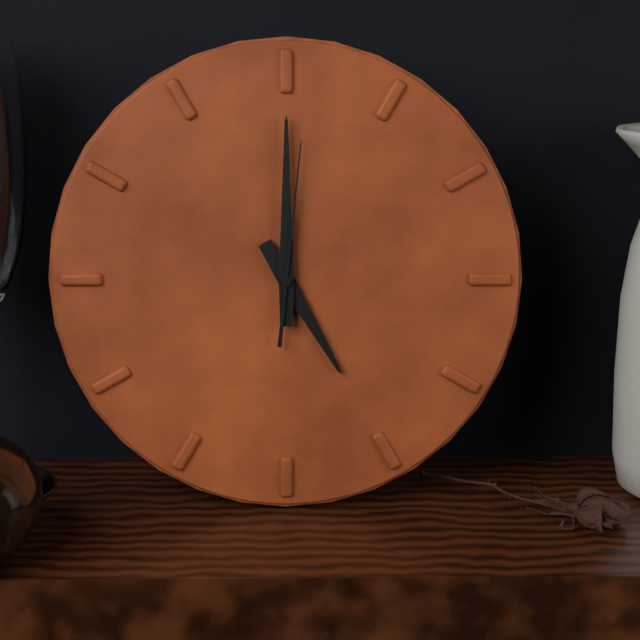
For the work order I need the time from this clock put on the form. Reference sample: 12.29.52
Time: 5.00.01
